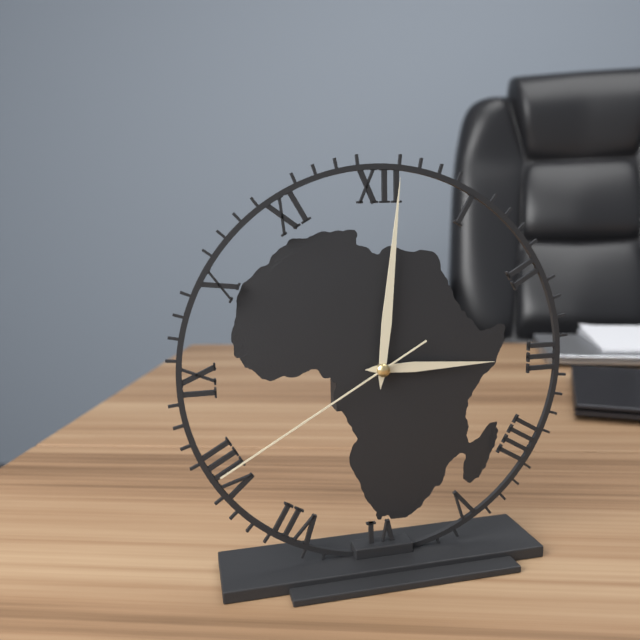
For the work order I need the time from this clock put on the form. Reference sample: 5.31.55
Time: 3.01.40
